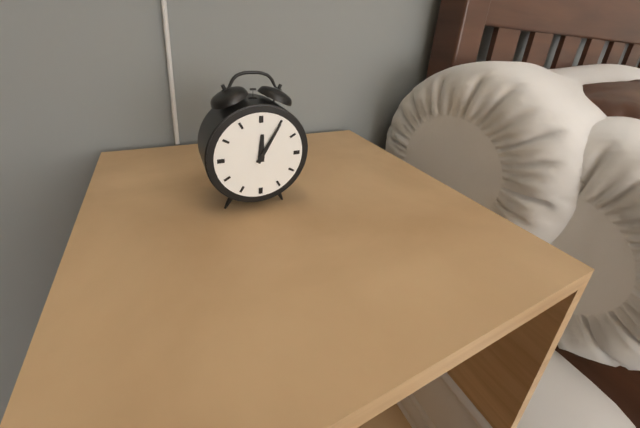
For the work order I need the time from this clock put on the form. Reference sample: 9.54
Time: 12.05
